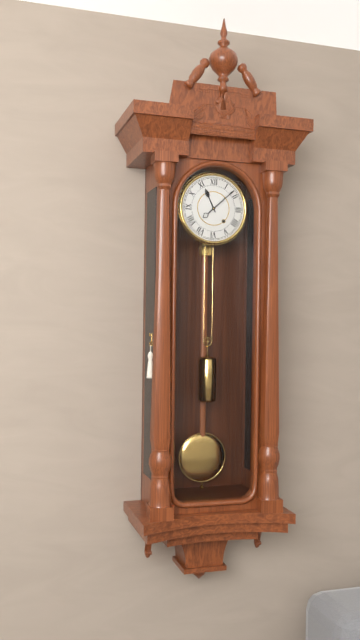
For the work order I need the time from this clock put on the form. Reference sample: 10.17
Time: 11.08
